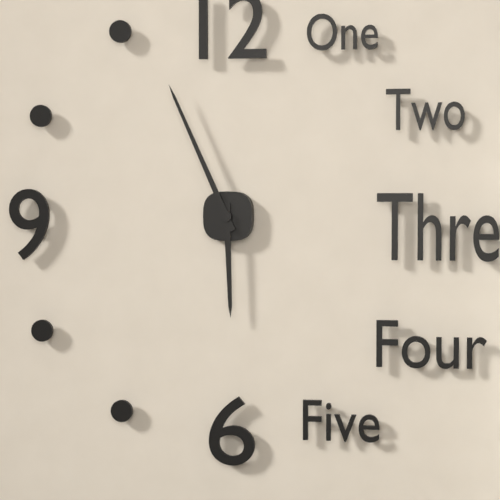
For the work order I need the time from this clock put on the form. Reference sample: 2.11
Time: 5.56
